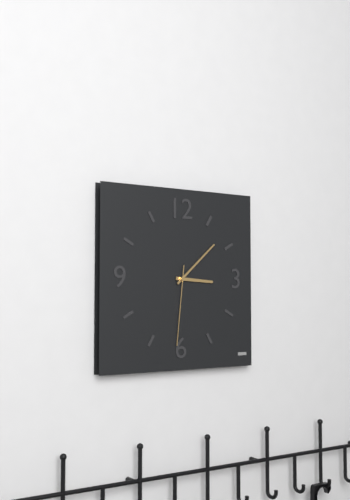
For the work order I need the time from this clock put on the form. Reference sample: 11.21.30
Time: 3.08.31
